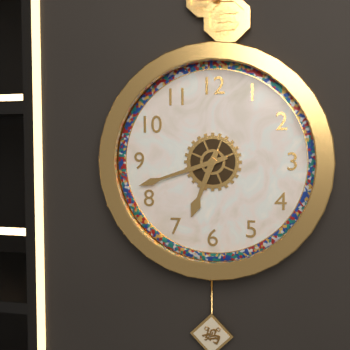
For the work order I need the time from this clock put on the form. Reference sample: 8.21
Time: 6.42
